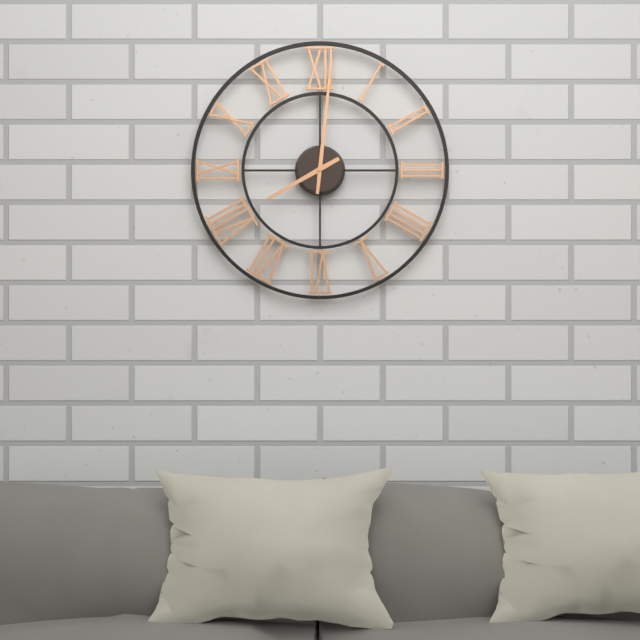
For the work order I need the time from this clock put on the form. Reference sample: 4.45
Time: 8.01
